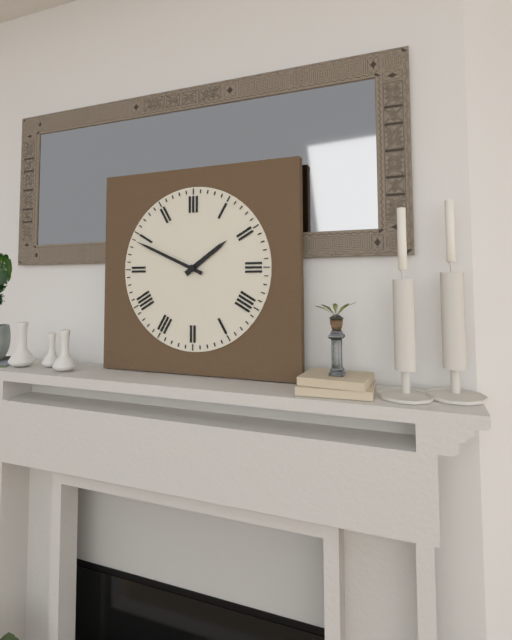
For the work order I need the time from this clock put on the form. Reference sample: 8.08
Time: 1.49
